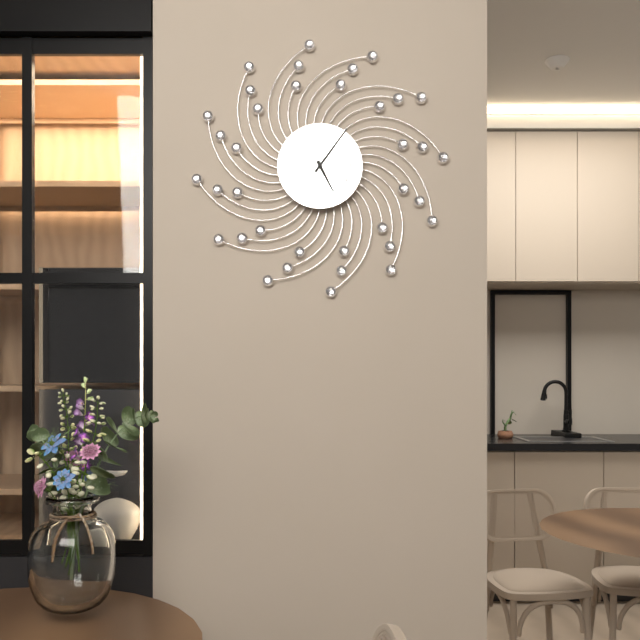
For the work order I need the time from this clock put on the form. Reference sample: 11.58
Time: 5.06
